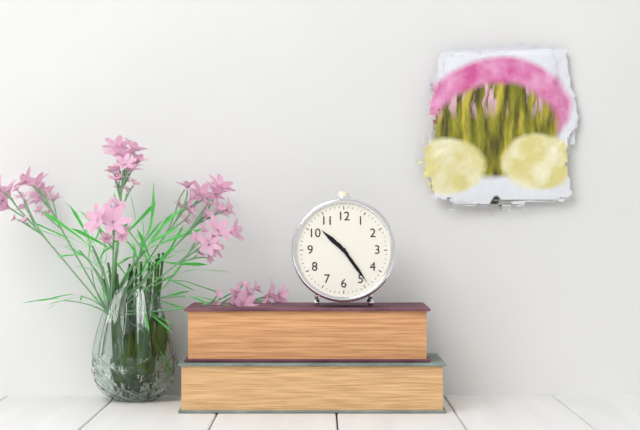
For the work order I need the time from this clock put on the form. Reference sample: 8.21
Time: 10.24
